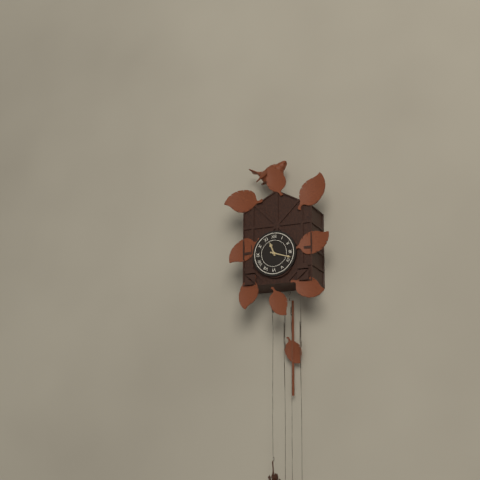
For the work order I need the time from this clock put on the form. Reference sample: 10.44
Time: 11.18
